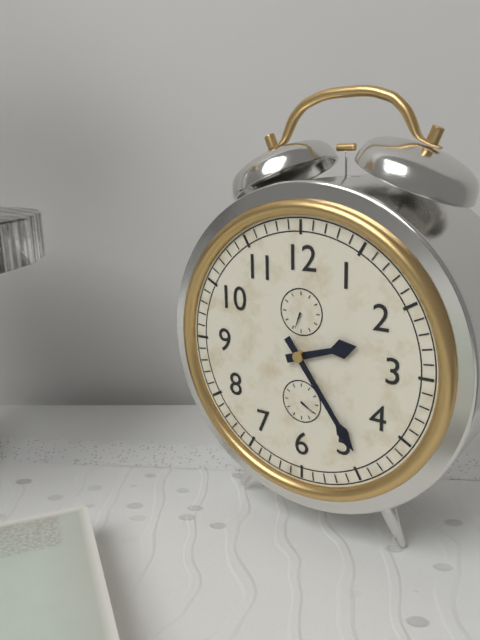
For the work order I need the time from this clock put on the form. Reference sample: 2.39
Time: 2.24
